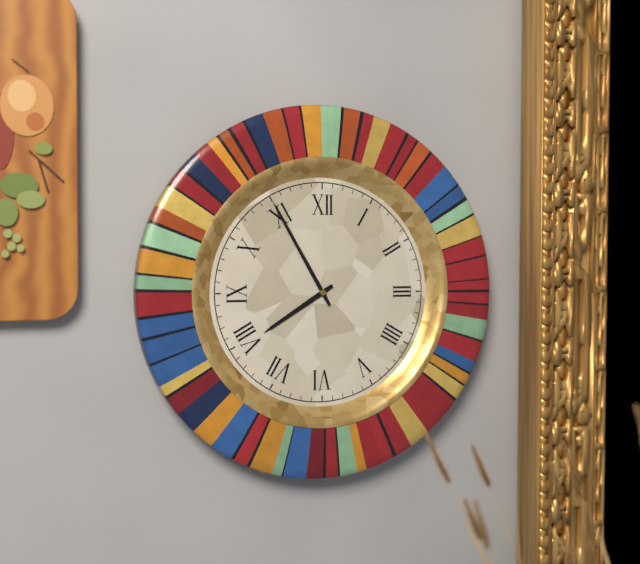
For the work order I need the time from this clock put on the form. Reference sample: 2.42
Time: 7.55
